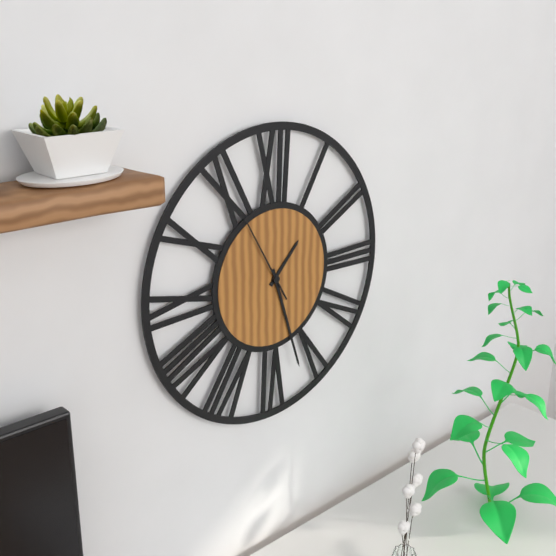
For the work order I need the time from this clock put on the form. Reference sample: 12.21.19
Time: 1.27.55
